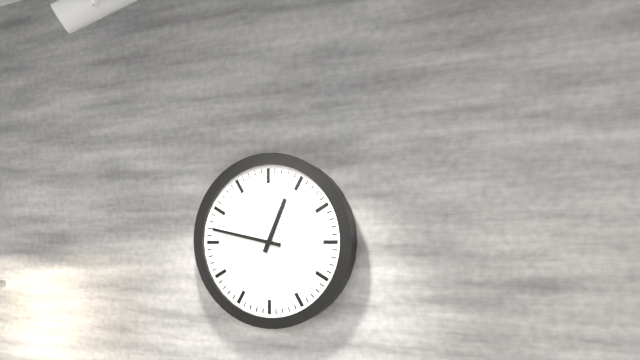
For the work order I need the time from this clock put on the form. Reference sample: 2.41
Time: 12.47
